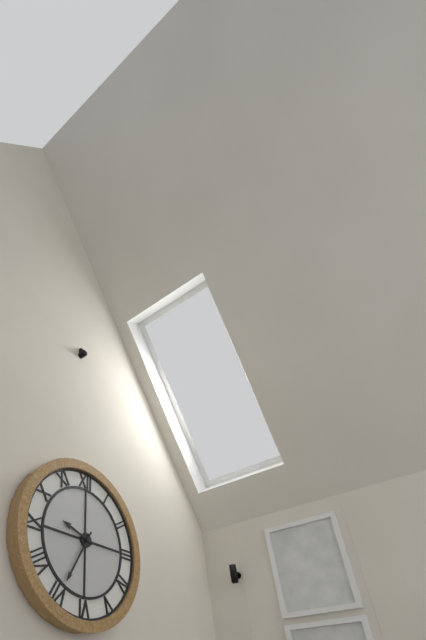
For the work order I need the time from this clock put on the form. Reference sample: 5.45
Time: 9.35
